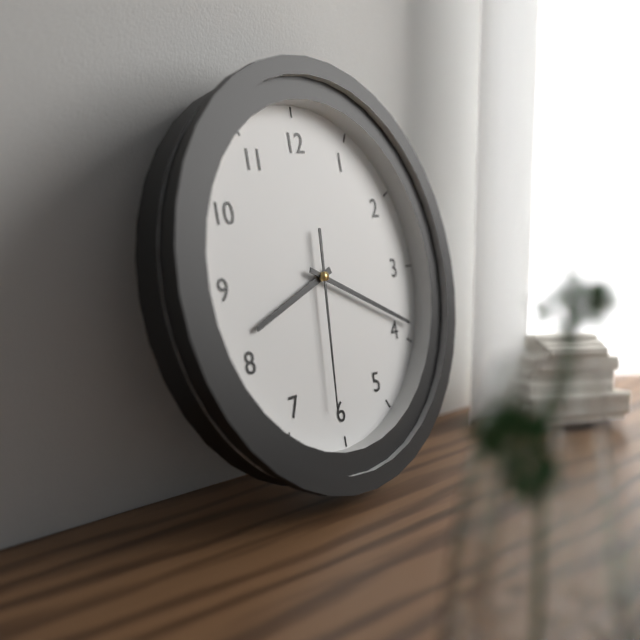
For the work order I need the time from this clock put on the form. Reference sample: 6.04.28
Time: 8.19.31
